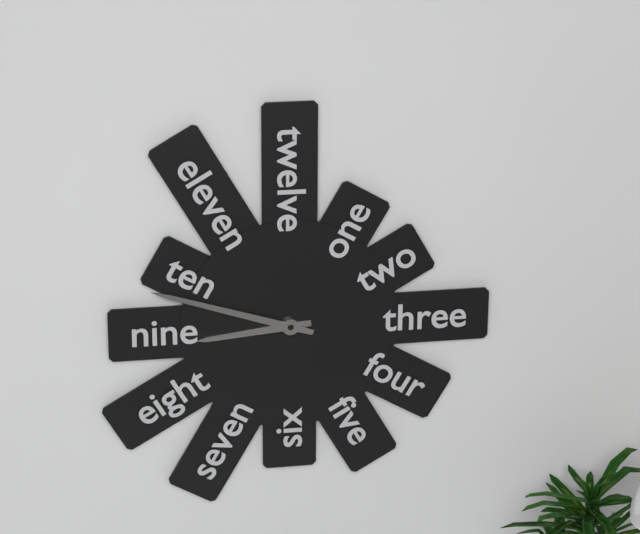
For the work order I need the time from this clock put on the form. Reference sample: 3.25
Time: 8.48
